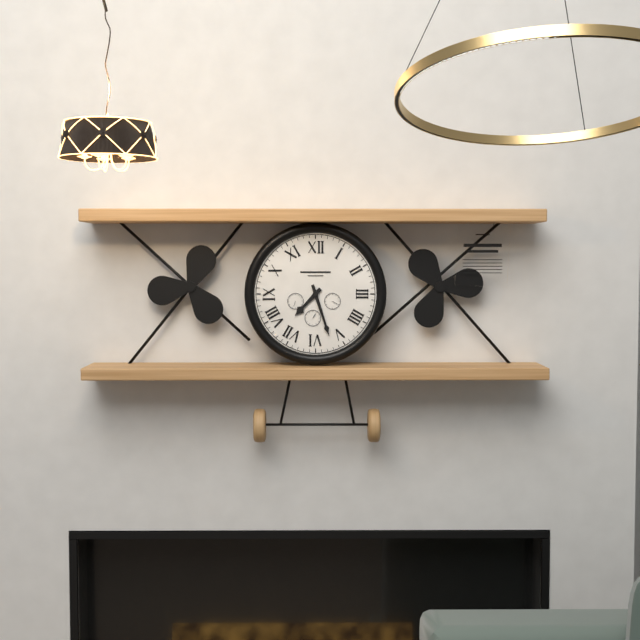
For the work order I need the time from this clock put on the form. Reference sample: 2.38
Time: 7.27
